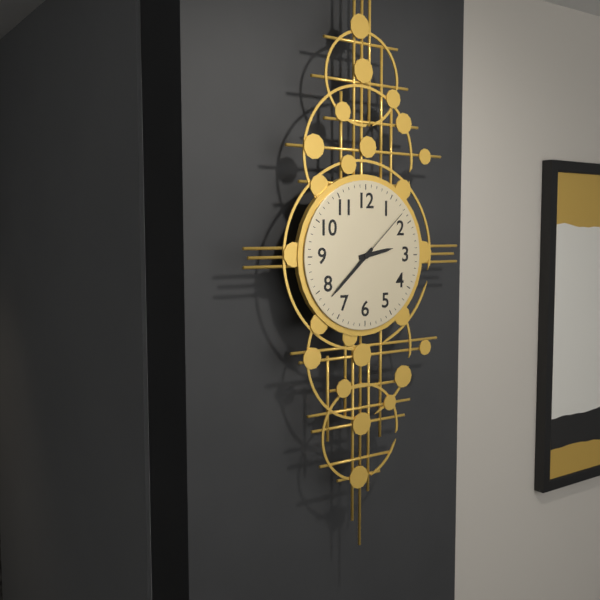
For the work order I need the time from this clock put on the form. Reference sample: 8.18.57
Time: 2.38.08
